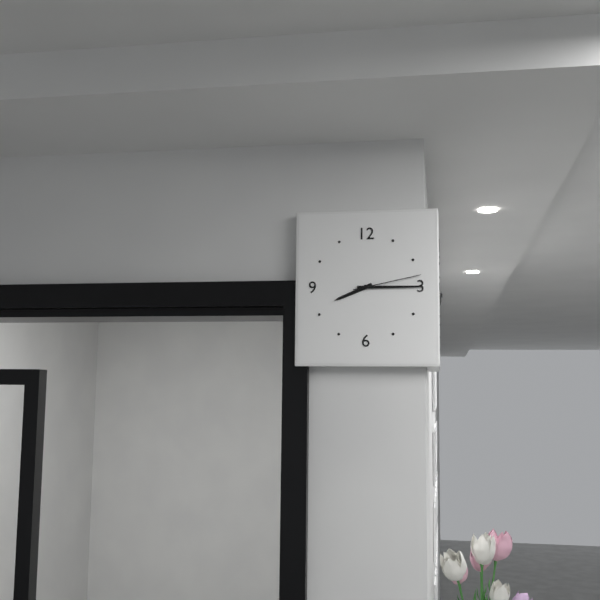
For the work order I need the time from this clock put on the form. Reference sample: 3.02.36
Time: 8.15.13
